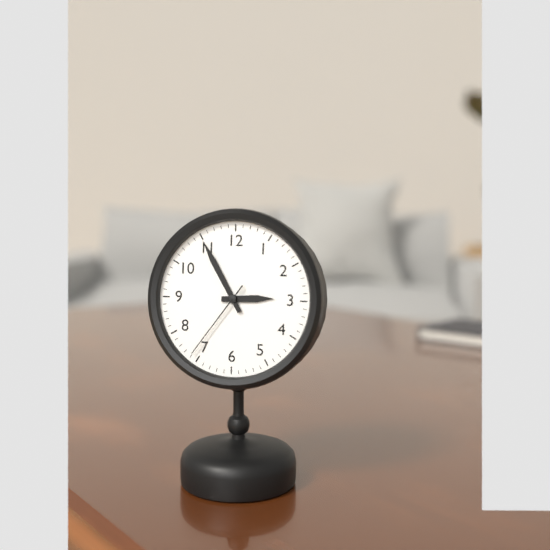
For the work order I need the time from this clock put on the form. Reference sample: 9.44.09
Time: 2.55.36
